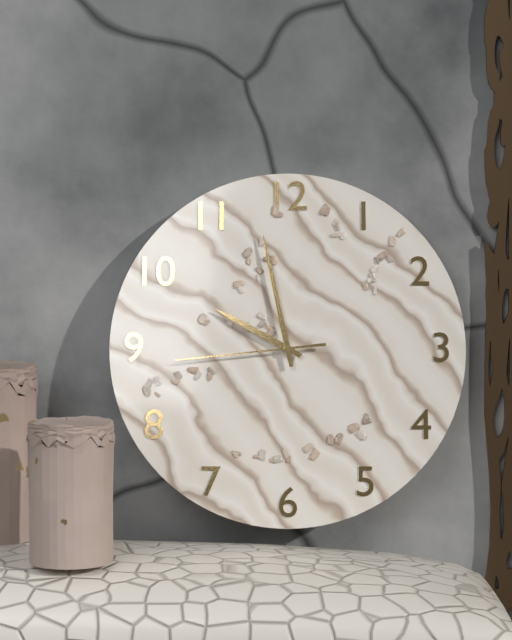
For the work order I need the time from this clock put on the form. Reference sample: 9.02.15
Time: 9.58.44
